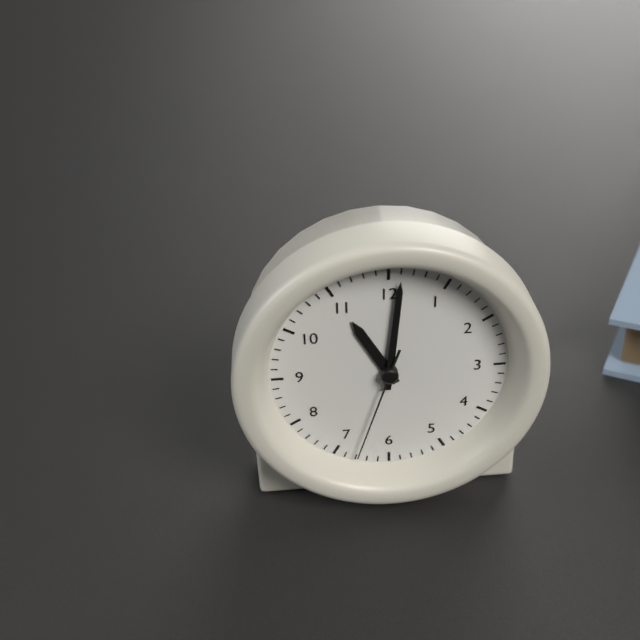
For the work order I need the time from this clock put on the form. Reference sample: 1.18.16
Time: 11.01.33
